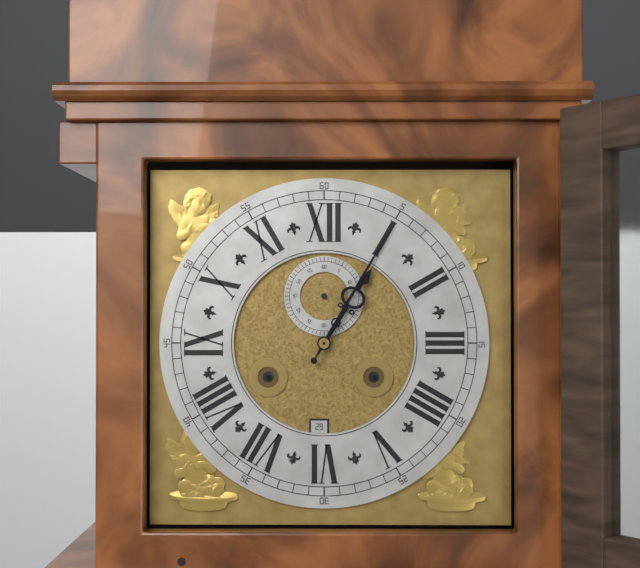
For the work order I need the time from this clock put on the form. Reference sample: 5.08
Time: 1.05
